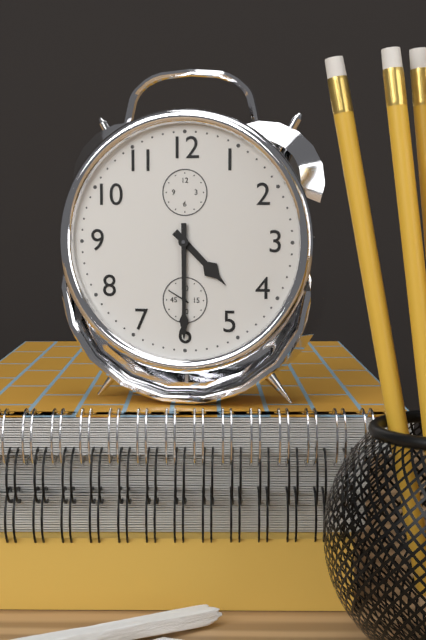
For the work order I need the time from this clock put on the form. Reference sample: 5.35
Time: 4.30
